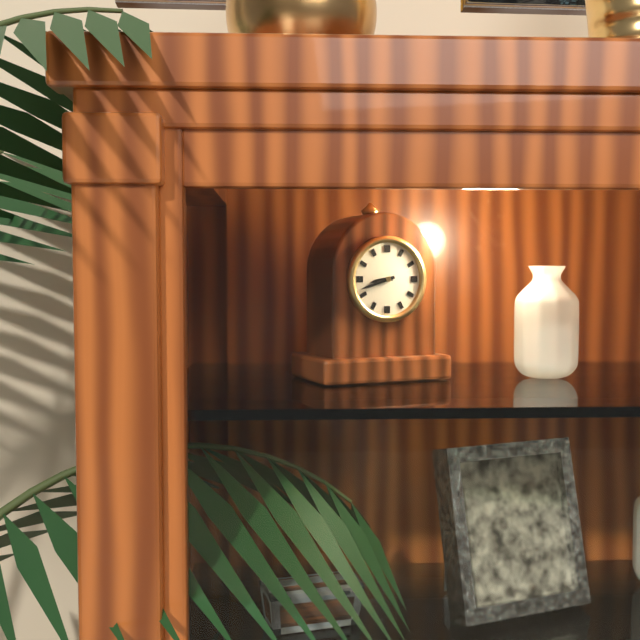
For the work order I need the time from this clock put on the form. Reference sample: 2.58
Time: 8.42
